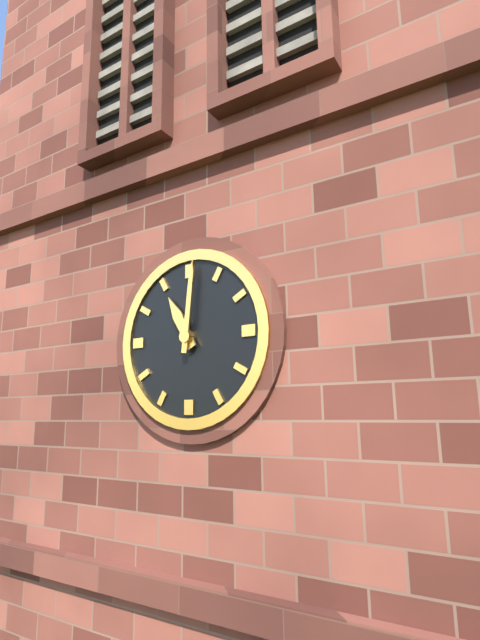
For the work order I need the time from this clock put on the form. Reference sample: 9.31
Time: 11.01
